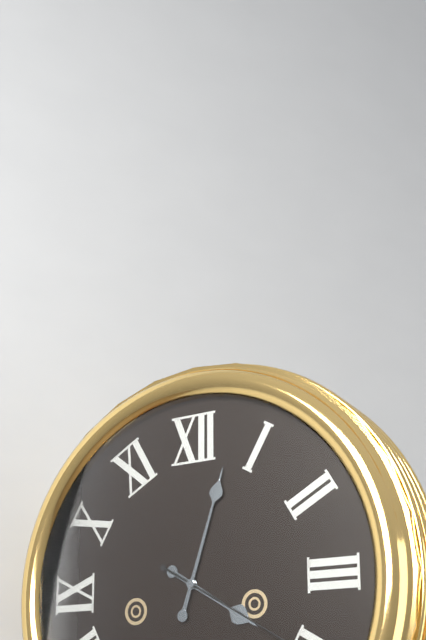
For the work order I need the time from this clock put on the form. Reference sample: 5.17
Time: 4.03
